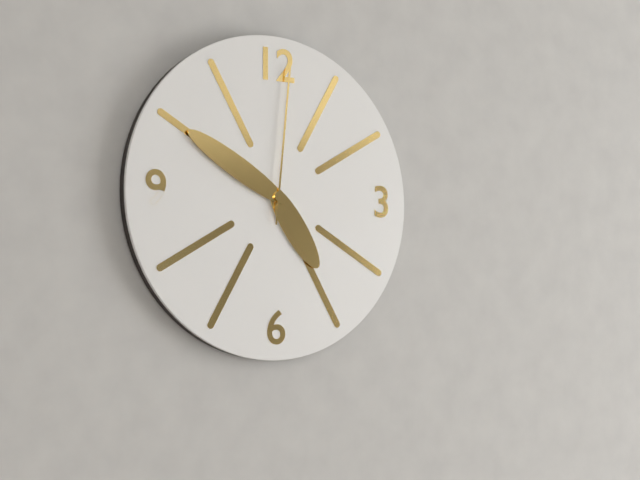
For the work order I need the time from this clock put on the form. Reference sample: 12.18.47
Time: 4.50.01
